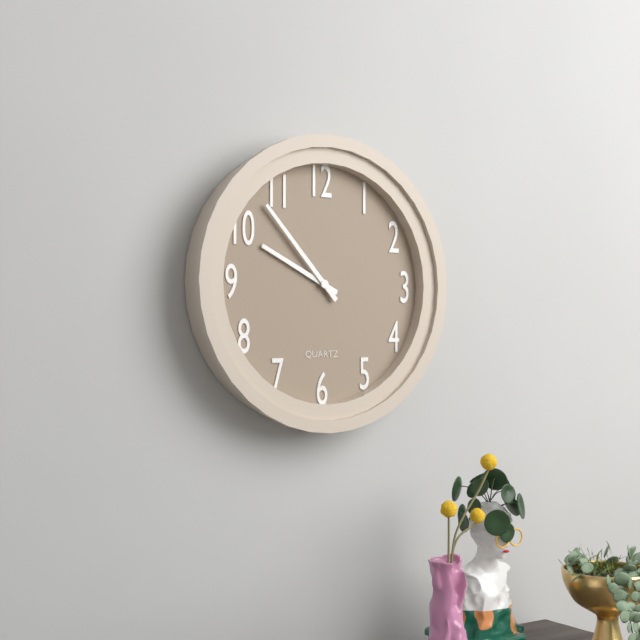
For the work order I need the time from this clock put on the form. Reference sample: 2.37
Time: 9.53
